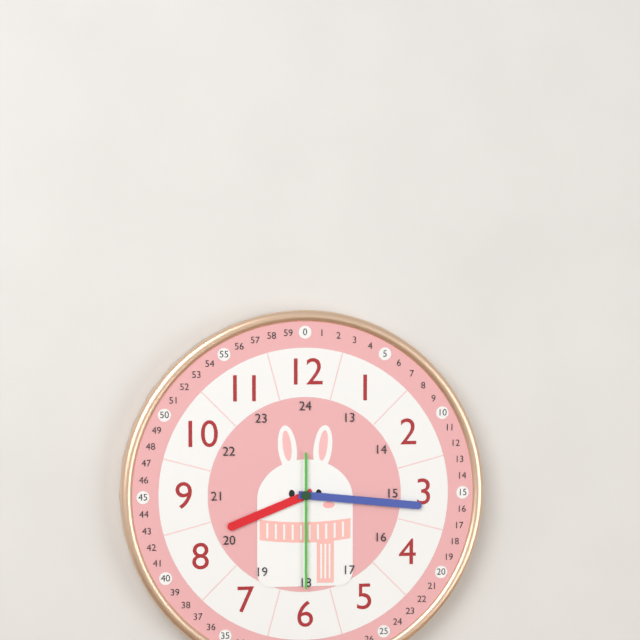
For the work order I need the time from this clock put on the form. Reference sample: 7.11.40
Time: 8.16.30
